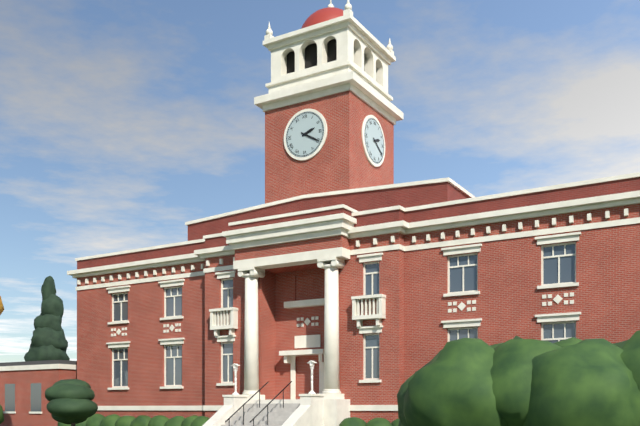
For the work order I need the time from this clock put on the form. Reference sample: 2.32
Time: 2.20
